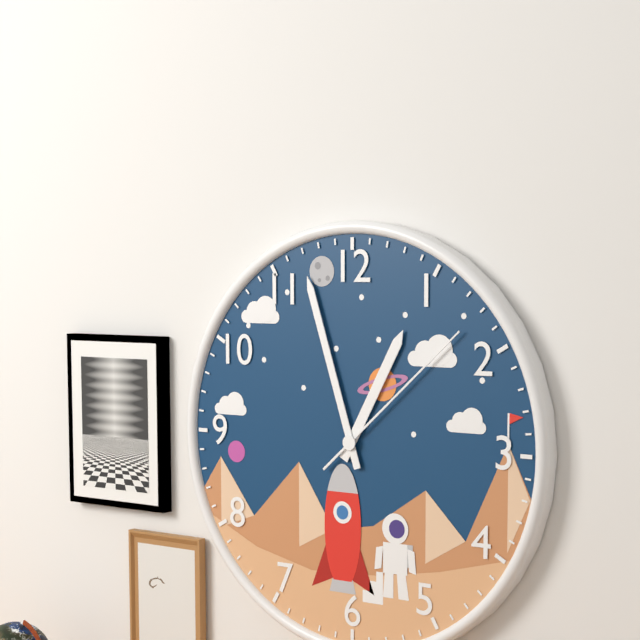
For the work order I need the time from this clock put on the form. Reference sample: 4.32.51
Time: 12.57.08
